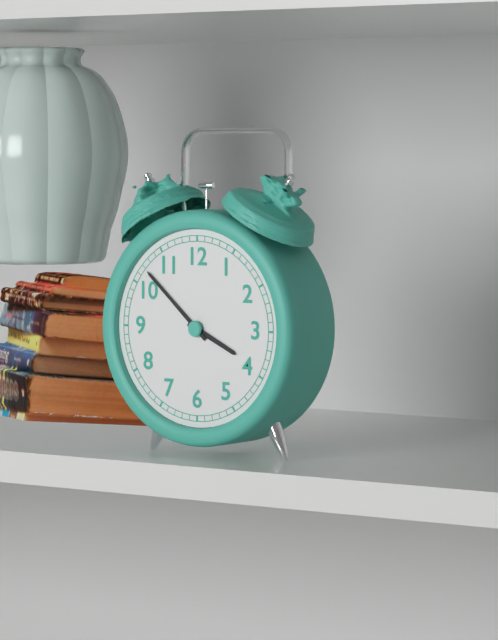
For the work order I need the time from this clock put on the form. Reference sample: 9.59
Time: 3.52
